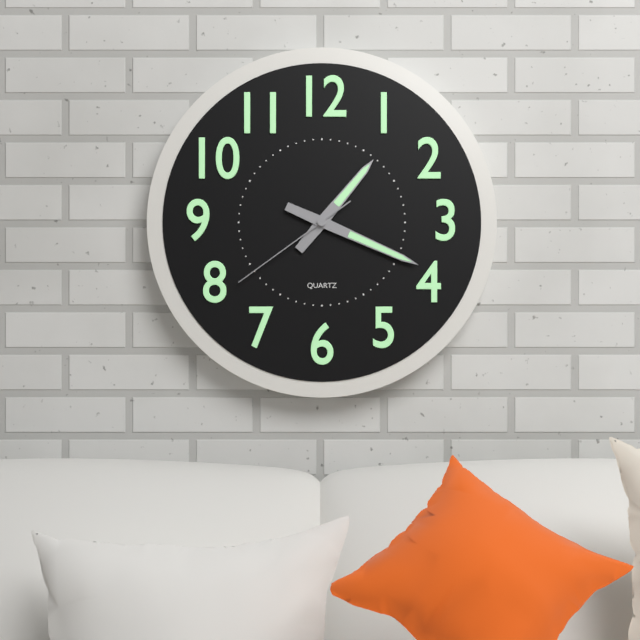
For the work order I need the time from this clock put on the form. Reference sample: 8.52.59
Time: 1.19.39
